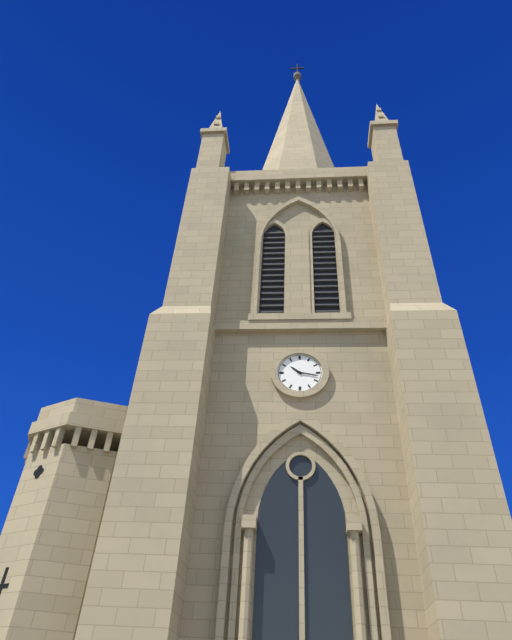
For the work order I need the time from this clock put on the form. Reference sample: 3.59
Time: 10.17
